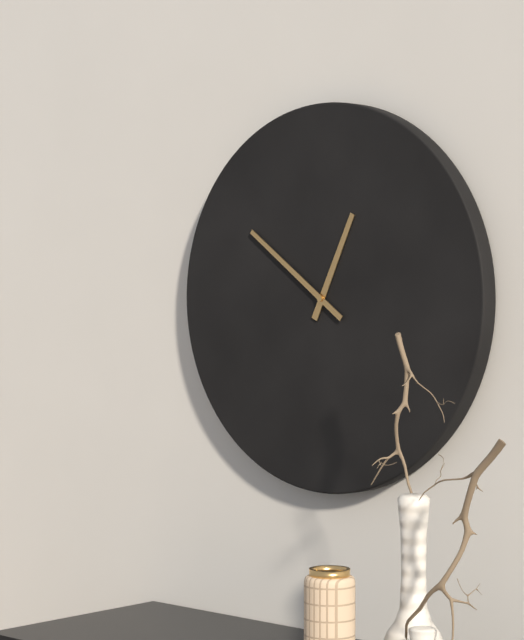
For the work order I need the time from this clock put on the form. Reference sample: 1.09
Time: 12.51
